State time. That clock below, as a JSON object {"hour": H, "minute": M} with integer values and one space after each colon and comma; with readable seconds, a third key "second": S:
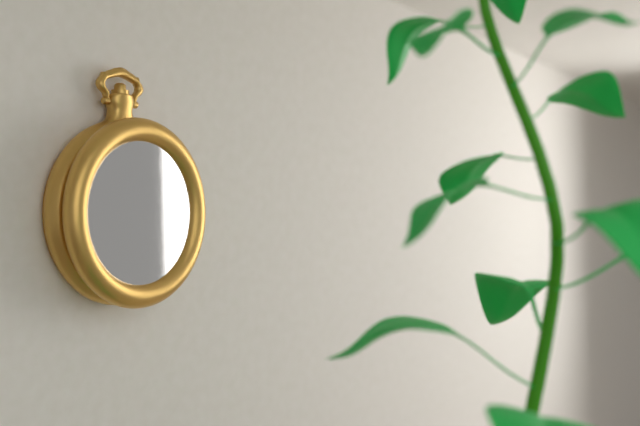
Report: {"hour": 2, "minute": 39}
